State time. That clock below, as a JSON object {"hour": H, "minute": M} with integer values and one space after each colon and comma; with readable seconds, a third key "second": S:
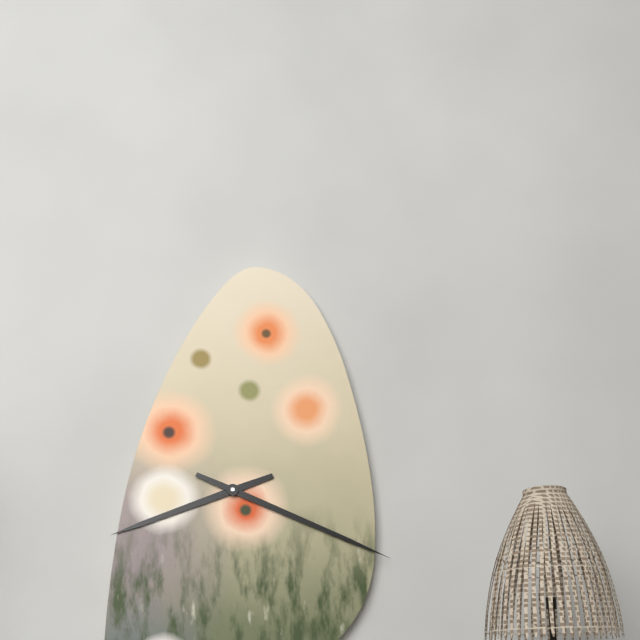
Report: {"hour": 8, "minute": 19}
